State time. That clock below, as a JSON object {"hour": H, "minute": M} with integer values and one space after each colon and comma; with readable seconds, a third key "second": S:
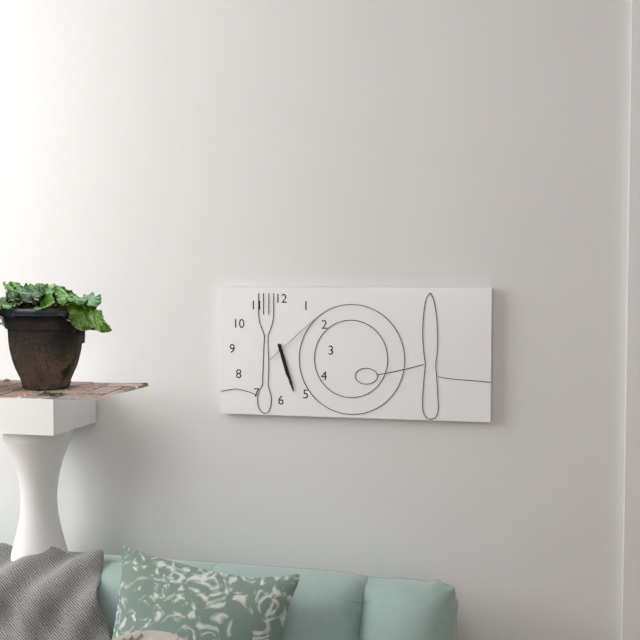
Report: {"hour": 5, "minute": 27, "second": 8}
